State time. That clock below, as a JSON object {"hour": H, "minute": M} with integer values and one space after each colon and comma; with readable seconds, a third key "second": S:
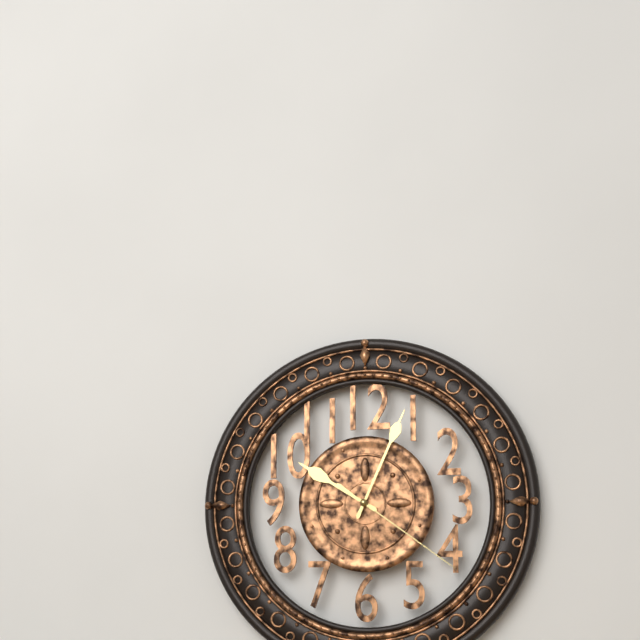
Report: {"hour": 10, "minute": 4, "second": 21}
